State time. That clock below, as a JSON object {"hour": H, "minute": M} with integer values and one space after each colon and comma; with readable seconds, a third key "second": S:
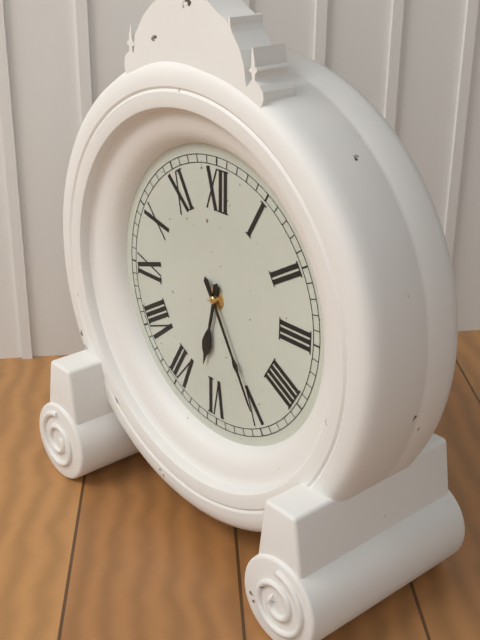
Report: {"hour": 6, "minute": 25}
